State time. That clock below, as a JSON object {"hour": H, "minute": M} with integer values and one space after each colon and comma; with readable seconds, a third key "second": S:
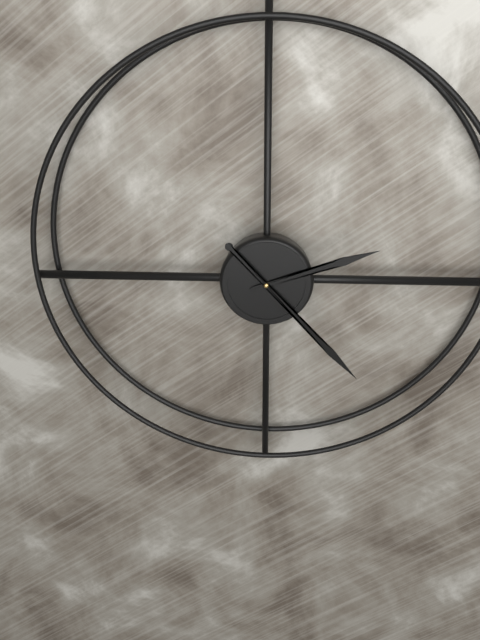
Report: {"hour": 2, "minute": 23}
